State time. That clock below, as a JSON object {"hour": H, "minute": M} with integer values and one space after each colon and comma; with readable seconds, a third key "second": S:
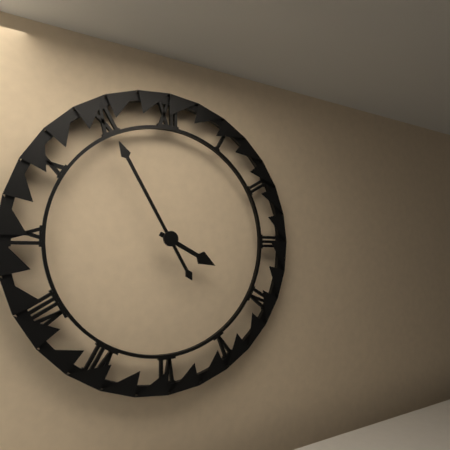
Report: {"hour": 3, "minute": 55}
